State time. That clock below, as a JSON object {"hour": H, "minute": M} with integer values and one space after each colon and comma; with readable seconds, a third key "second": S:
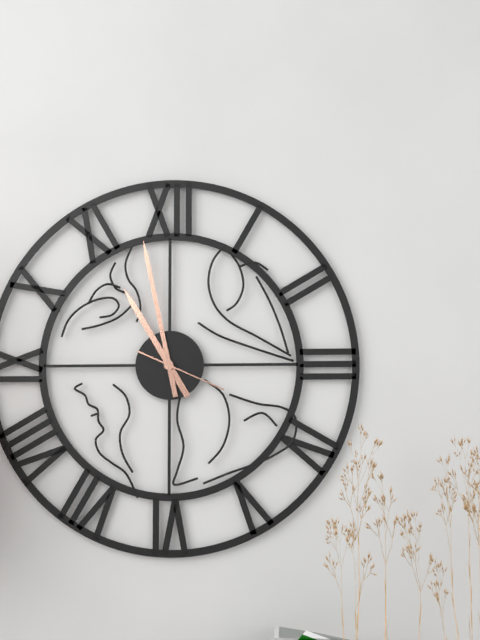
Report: {"hour": 10, "minute": 58, "second": 19}
